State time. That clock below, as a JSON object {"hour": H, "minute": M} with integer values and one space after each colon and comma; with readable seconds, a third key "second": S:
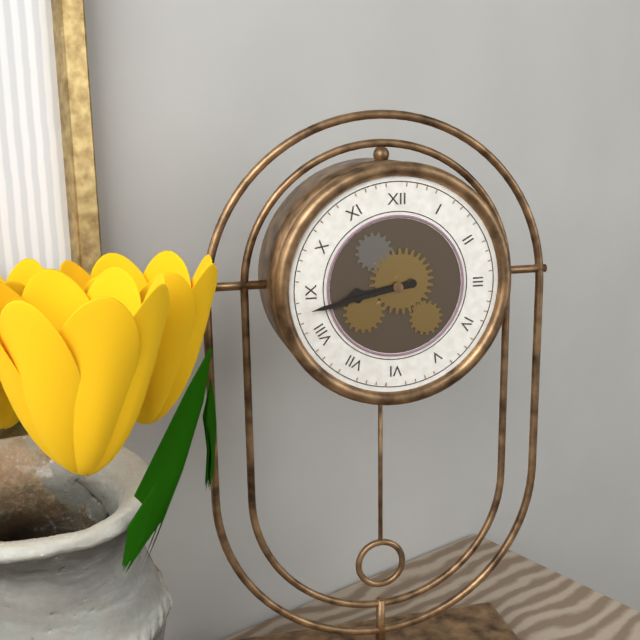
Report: {"hour": 8, "minute": 43}
